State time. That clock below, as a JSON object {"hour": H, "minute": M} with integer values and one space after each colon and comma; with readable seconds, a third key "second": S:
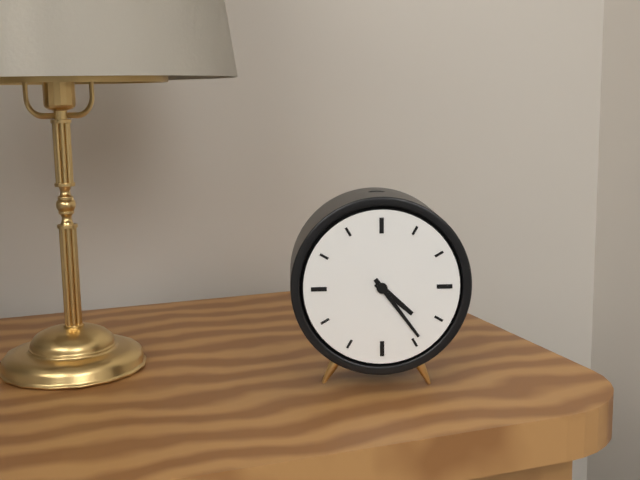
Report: {"hour": 4, "minute": 24}
